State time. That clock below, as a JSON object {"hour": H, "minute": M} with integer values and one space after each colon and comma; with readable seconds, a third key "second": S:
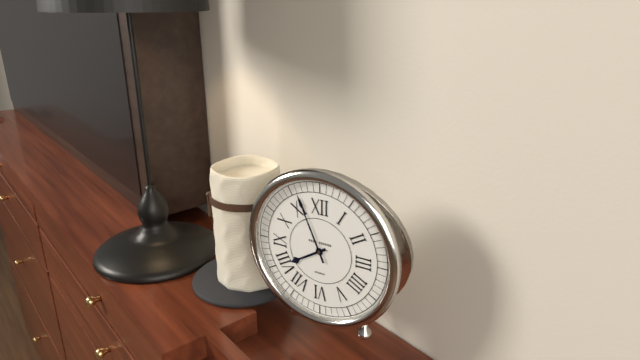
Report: {"hour": 7, "minute": 56}
